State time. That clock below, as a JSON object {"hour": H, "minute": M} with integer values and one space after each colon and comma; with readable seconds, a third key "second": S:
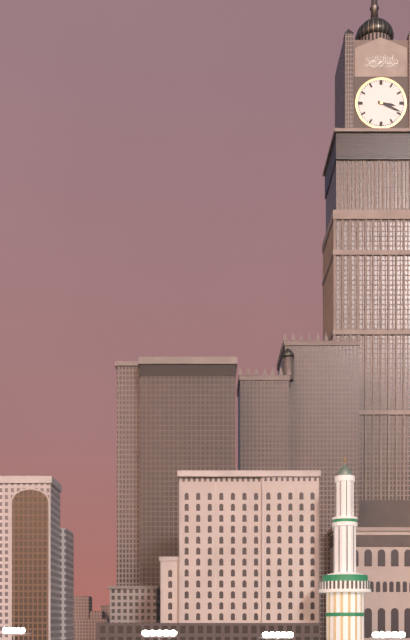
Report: {"hour": 3, "minute": 19}
